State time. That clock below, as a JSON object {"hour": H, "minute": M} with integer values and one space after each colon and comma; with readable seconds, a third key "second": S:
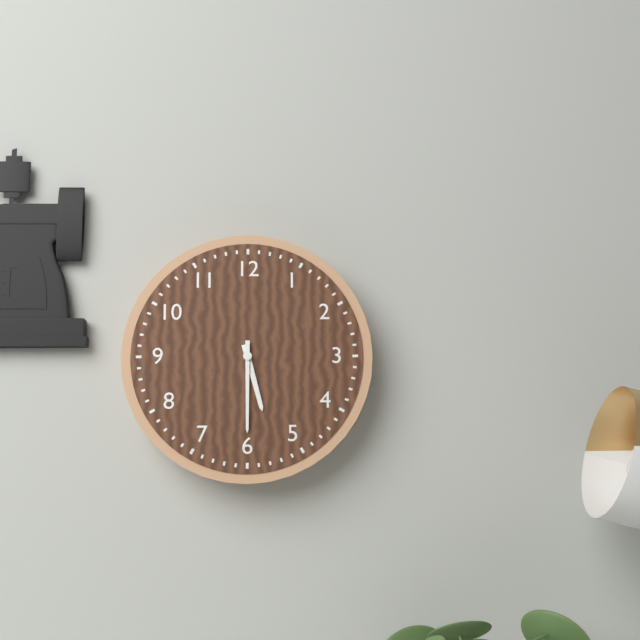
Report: {"hour": 5, "minute": 30}
